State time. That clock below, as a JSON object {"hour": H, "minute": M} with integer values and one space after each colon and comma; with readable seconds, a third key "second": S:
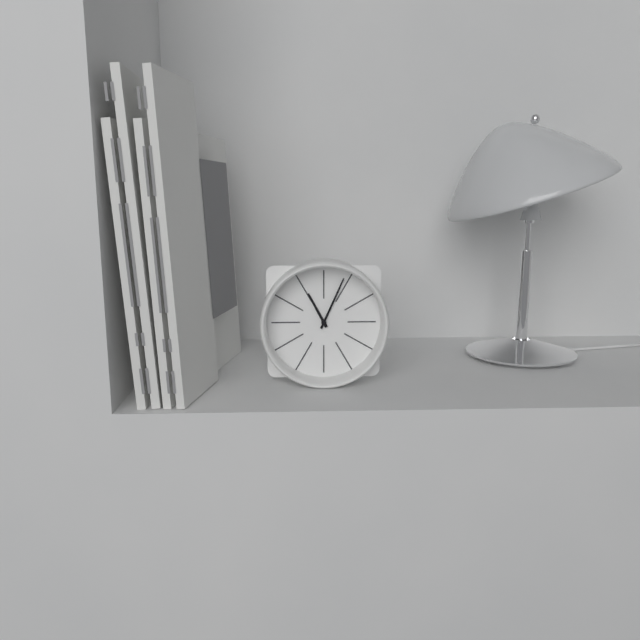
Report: {"hour": 11, "minute": 4}
